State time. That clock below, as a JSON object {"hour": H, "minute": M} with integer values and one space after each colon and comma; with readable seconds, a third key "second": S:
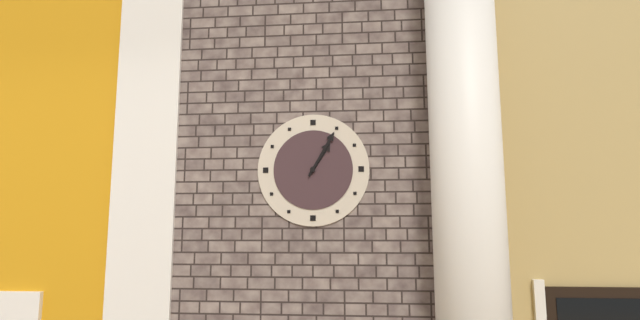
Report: {"hour": 1, "minute": 5}
